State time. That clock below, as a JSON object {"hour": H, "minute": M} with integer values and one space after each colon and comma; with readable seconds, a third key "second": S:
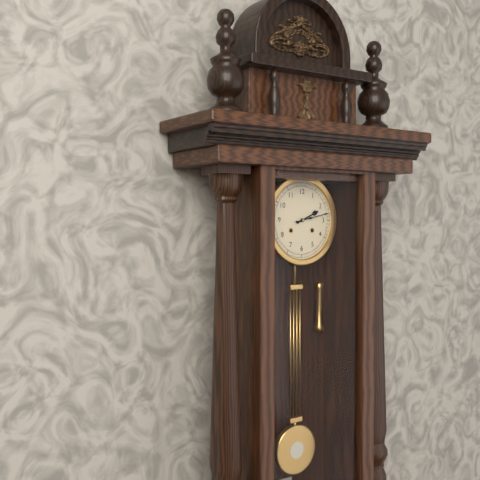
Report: {"hour": 2, "minute": 13}
